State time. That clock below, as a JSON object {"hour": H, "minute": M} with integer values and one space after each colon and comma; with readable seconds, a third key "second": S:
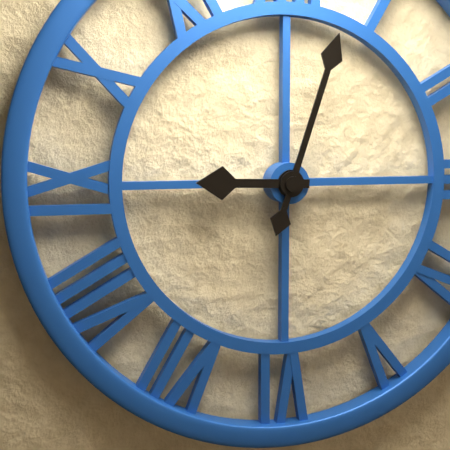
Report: {"hour": 9, "minute": 3}
